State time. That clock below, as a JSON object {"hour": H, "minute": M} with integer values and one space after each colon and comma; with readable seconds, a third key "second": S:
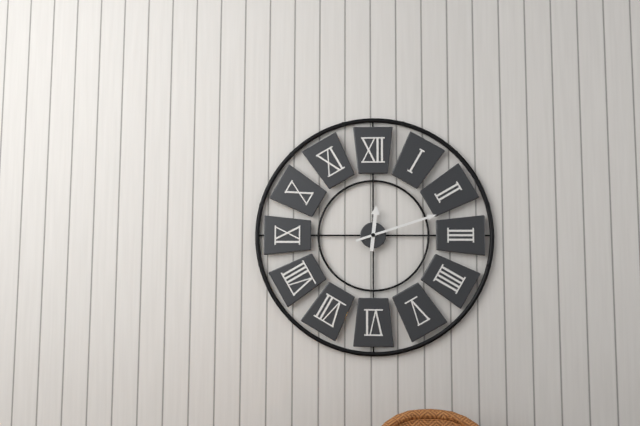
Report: {"hour": 12, "minute": 12}
